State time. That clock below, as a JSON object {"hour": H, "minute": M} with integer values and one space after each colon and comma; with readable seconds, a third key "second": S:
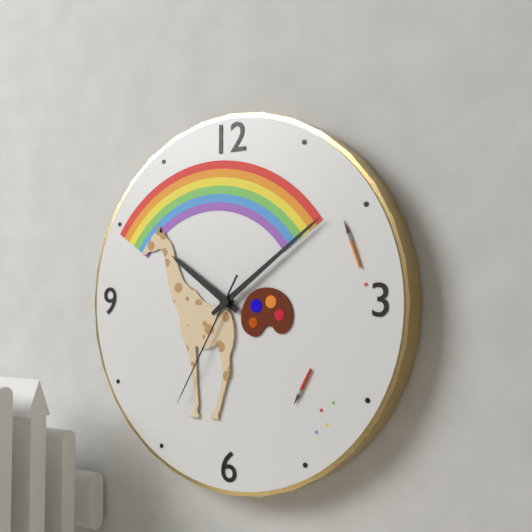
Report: {"hour": 10, "minute": 9, "second": 35}
